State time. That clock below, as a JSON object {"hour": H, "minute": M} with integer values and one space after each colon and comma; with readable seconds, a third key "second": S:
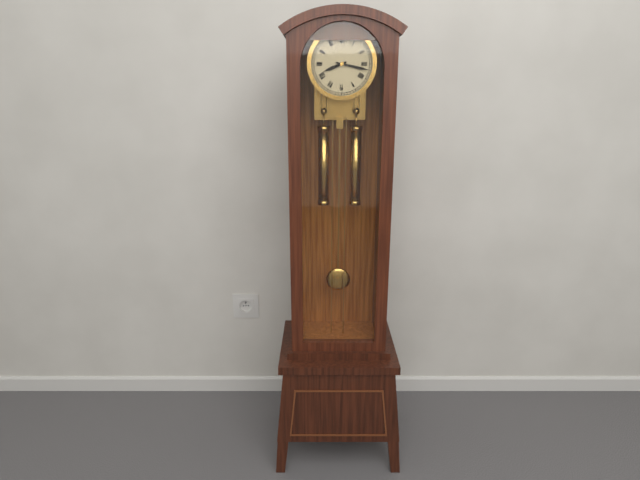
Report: {"hour": 8, "minute": 17}
